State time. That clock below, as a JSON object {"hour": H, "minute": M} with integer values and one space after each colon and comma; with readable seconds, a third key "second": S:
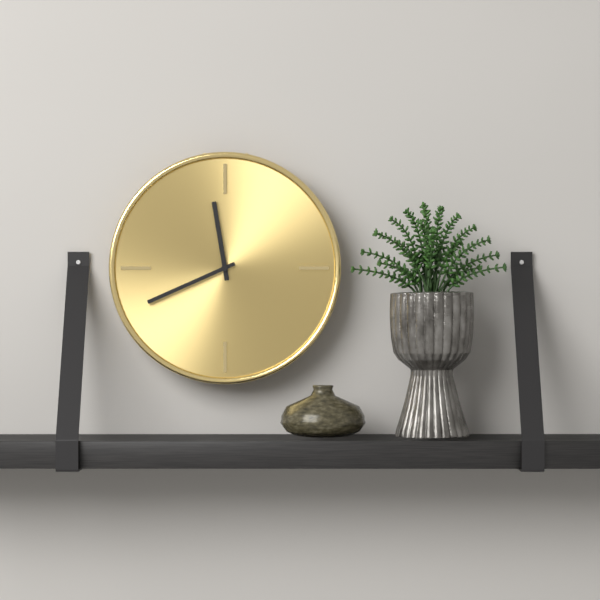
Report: {"hour": 11, "minute": 41}
